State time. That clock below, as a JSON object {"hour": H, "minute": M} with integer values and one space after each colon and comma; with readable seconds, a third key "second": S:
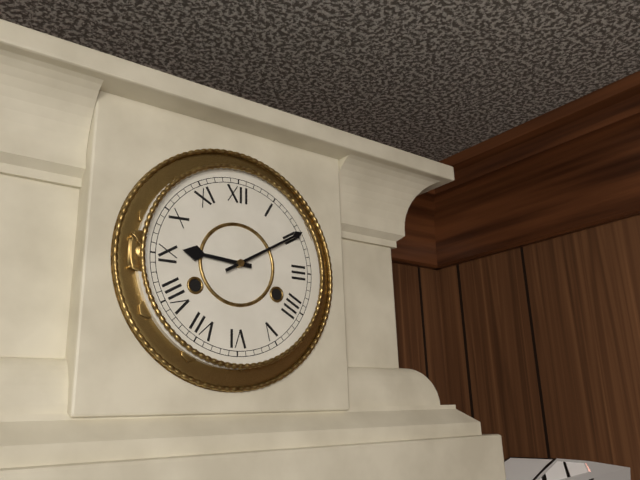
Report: {"hour": 9, "minute": 10}
